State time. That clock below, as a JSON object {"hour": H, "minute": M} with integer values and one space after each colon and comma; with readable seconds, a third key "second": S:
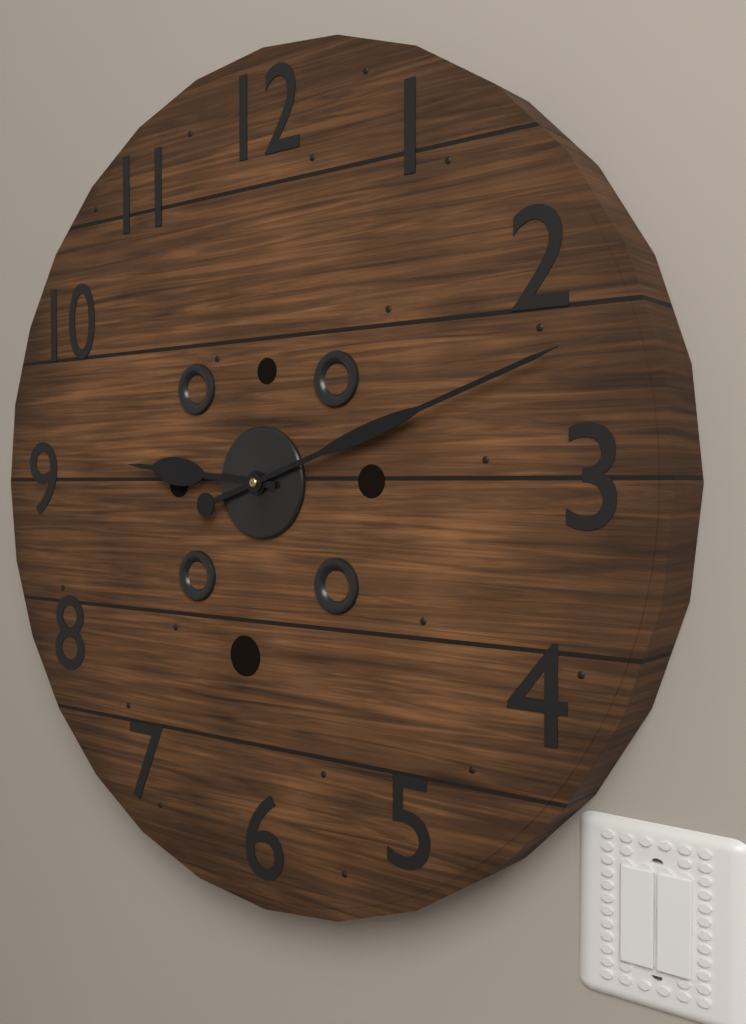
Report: {"hour": 9, "minute": 12}
